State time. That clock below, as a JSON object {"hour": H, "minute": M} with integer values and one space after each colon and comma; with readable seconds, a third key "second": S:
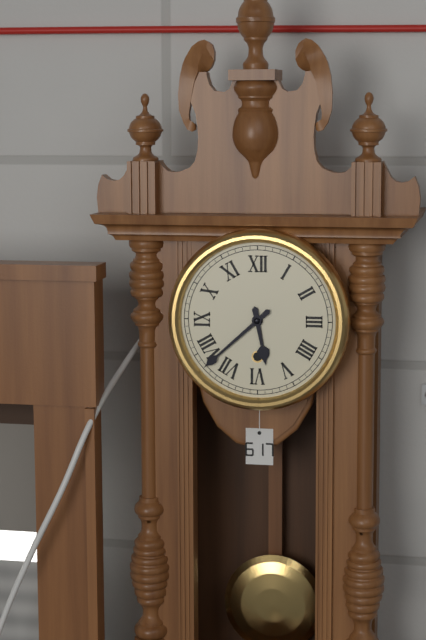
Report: {"hour": 5, "minute": 38}
